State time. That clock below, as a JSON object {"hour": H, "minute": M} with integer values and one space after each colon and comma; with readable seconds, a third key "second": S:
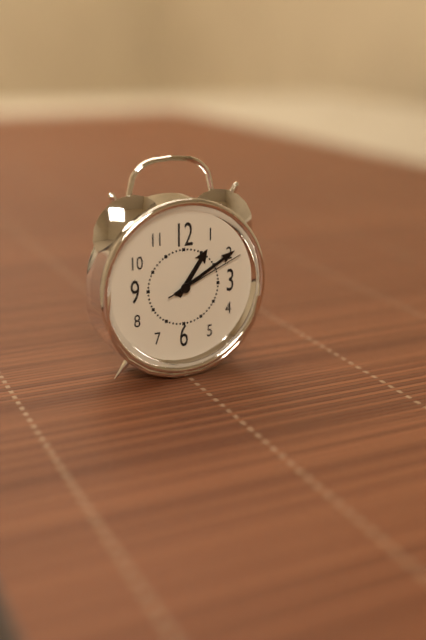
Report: {"hour": 1, "minute": 10, "second": 11}
